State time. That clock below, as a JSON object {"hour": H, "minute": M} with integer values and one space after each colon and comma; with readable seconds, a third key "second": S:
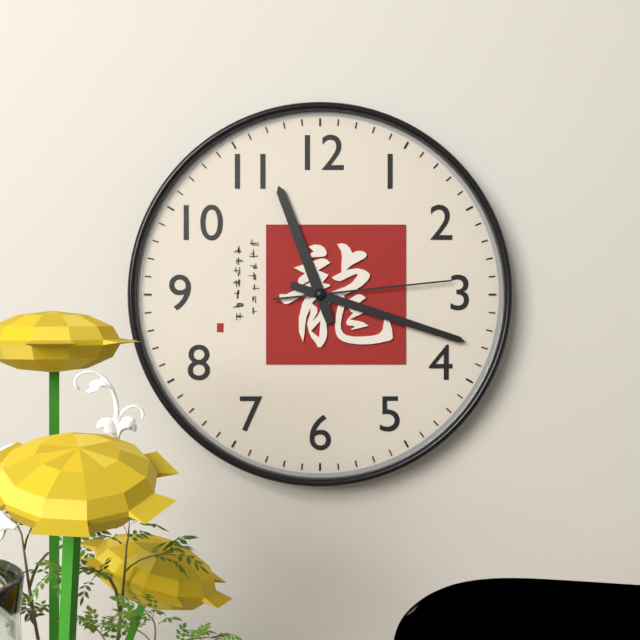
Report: {"hour": 11, "minute": 18, "second": 14}
